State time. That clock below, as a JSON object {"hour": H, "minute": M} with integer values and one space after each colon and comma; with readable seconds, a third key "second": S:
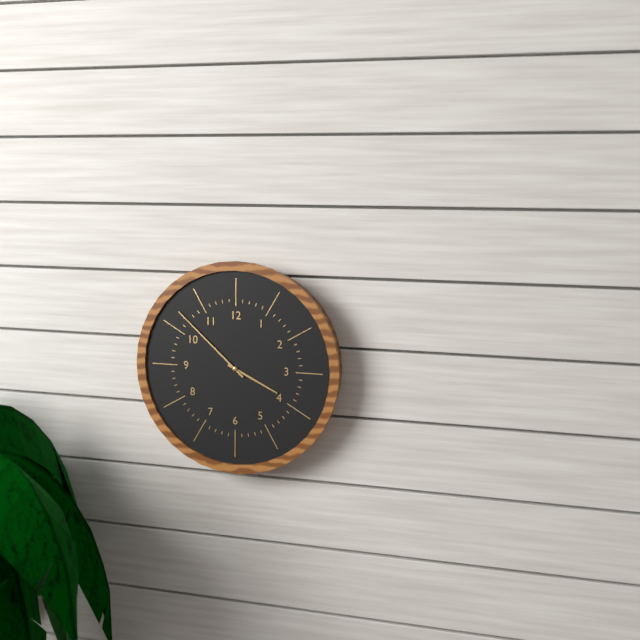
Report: {"hour": 3, "minute": 52}
